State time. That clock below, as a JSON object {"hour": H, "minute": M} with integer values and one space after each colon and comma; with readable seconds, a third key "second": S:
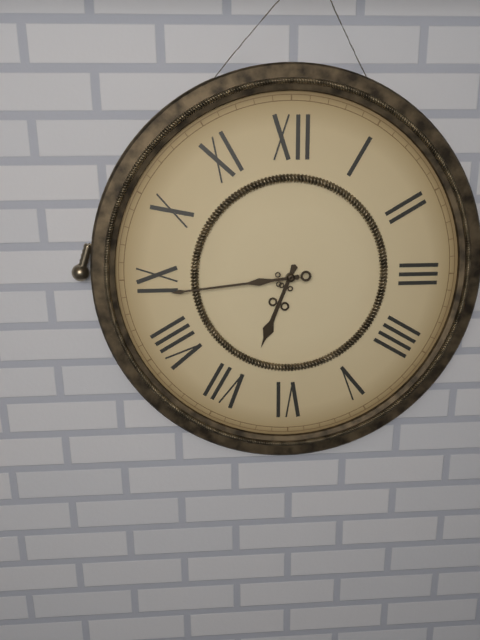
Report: {"hour": 6, "minute": 44}
